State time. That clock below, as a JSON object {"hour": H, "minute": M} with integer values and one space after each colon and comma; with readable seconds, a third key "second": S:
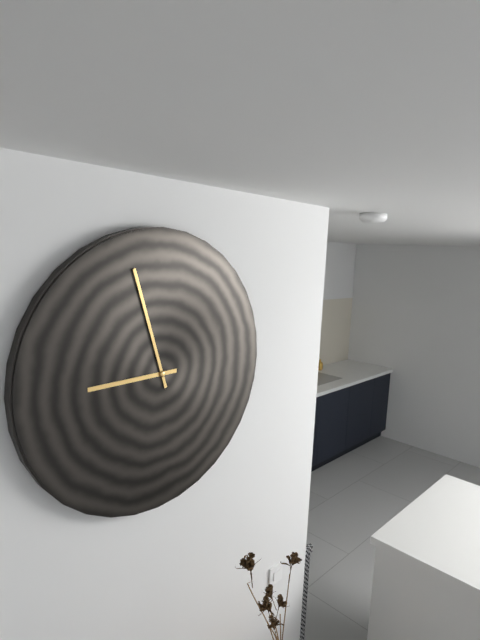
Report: {"hour": 8, "minute": 57}
